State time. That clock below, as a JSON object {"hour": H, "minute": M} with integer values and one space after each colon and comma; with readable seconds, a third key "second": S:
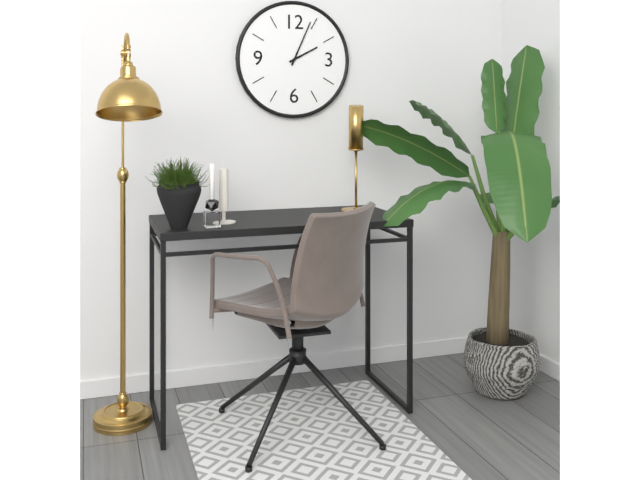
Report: {"hour": 2, "minute": 4}
